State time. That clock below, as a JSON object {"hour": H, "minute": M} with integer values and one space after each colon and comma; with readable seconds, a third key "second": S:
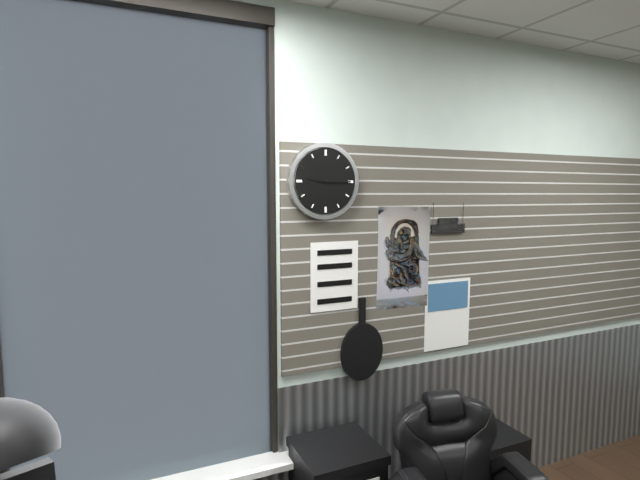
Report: {"hour": 9, "minute": 15}
